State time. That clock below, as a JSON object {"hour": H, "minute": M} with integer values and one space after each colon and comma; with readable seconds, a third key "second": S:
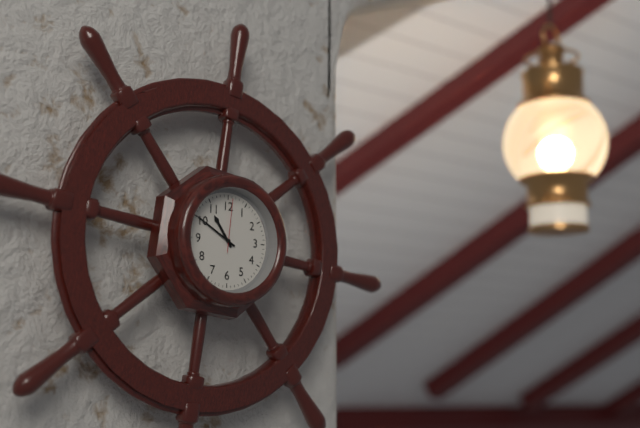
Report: {"hour": 10, "minute": 50, "second": 1}
